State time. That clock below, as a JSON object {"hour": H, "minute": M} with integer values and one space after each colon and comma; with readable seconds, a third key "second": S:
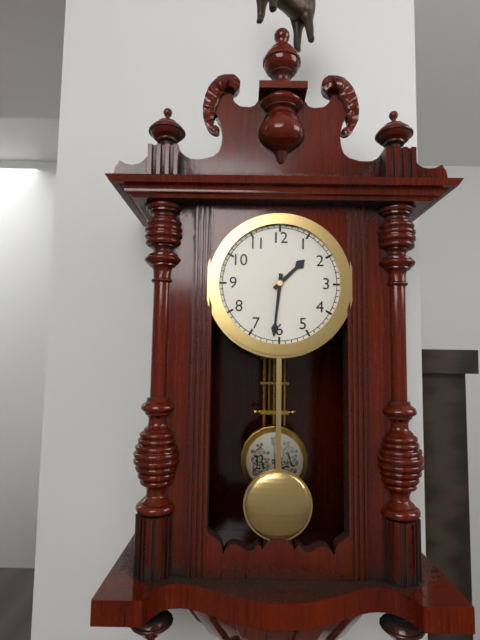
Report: {"hour": 1, "minute": 31}
